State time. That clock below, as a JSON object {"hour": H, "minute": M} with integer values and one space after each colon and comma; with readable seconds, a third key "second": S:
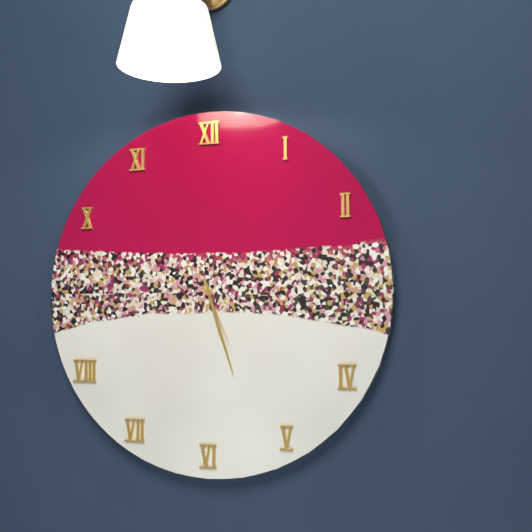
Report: {"hour": 5, "minute": 27, "second": 26}
